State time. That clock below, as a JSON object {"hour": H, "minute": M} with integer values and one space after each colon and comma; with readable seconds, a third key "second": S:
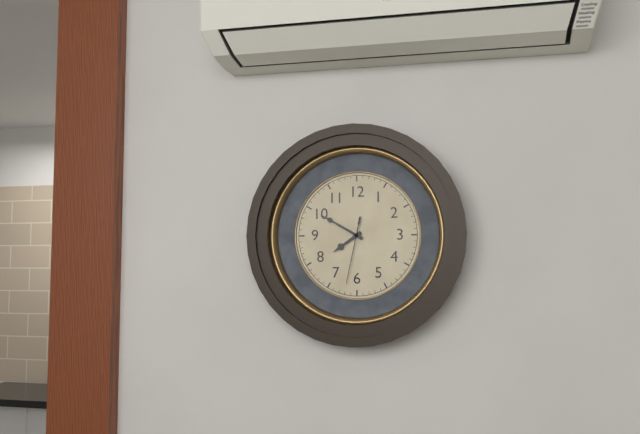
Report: {"hour": 7, "minute": 50, "second": 32}
